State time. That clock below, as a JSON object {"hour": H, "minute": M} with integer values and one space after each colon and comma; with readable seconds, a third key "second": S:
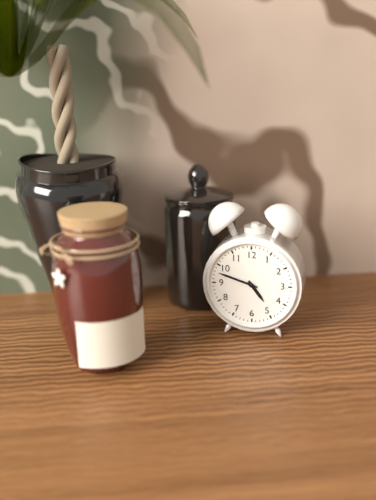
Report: {"hour": 4, "minute": 48}
